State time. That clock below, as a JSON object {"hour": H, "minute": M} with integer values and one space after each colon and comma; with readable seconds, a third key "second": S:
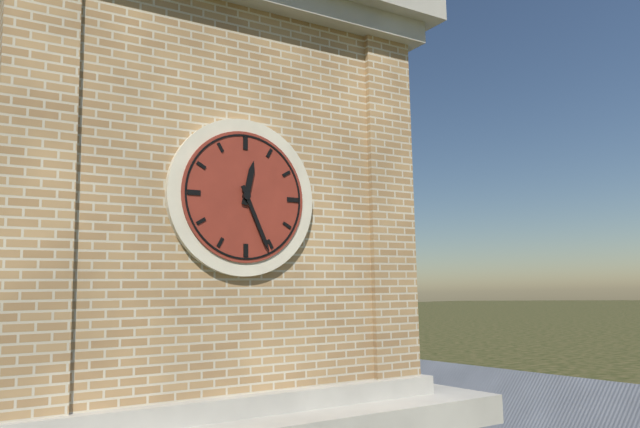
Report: {"hour": 12, "minute": 26}
